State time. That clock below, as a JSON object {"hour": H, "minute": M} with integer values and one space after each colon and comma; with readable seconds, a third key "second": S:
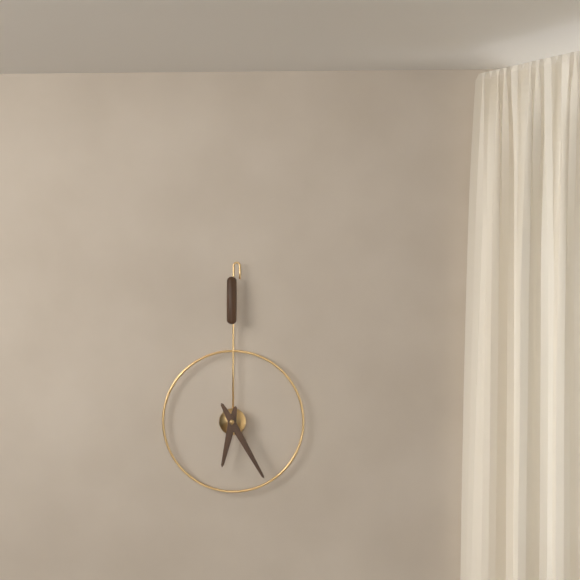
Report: {"hour": 6, "minute": 25}
